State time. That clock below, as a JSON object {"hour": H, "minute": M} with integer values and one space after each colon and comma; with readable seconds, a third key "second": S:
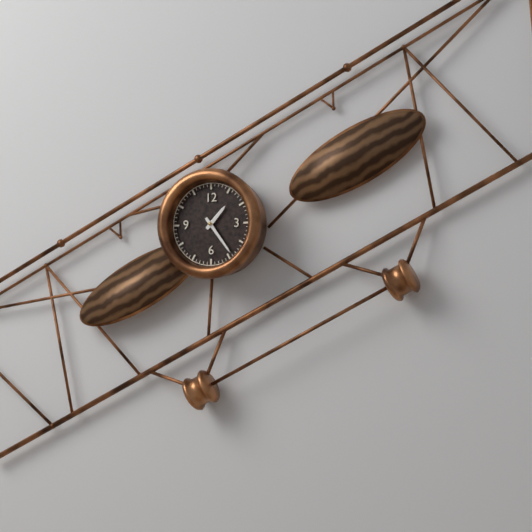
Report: {"hour": 1, "minute": 24}
